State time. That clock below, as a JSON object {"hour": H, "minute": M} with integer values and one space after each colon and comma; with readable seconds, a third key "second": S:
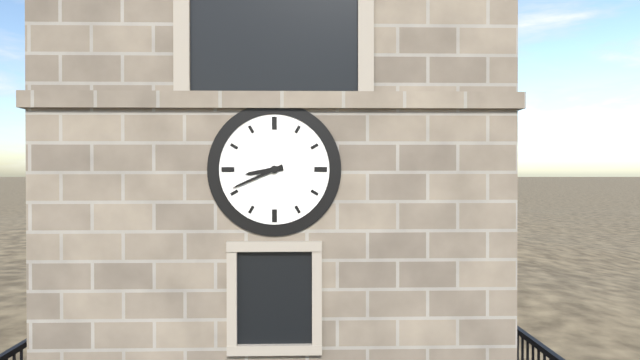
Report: {"hour": 8, "minute": 41}
